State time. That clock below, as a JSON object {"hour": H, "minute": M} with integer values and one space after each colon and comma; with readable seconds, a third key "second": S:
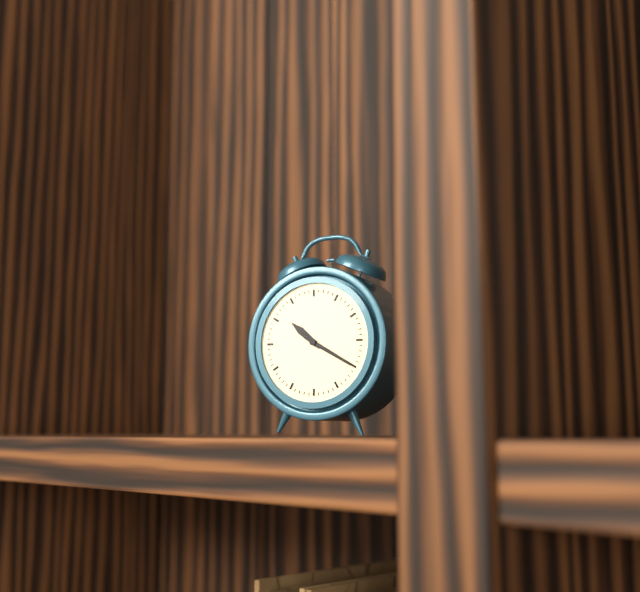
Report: {"hour": 10, "minute": 20}
